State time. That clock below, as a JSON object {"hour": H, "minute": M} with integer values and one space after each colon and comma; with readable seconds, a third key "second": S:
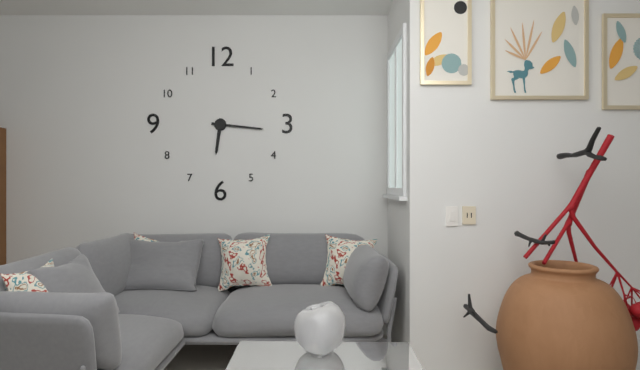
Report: {"hour": 6, "minute": 16}
